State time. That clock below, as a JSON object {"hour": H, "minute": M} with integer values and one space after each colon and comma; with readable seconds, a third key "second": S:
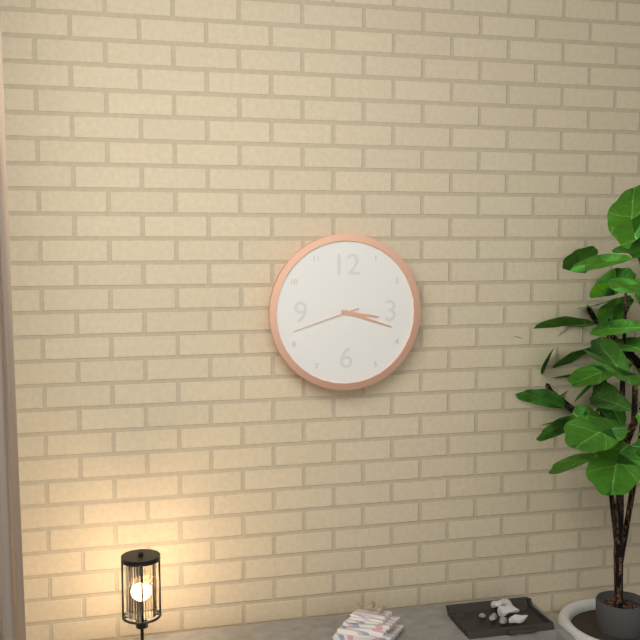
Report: {"hour": 3, "minute": 18, "second": 42}
